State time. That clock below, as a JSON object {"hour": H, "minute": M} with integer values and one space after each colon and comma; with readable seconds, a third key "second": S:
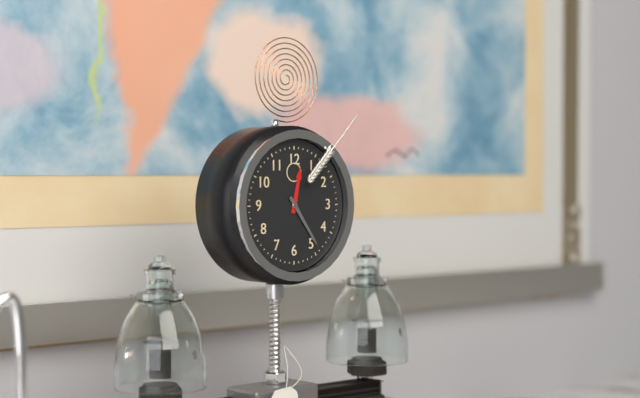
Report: {"hour": 12, "minute": 24}
